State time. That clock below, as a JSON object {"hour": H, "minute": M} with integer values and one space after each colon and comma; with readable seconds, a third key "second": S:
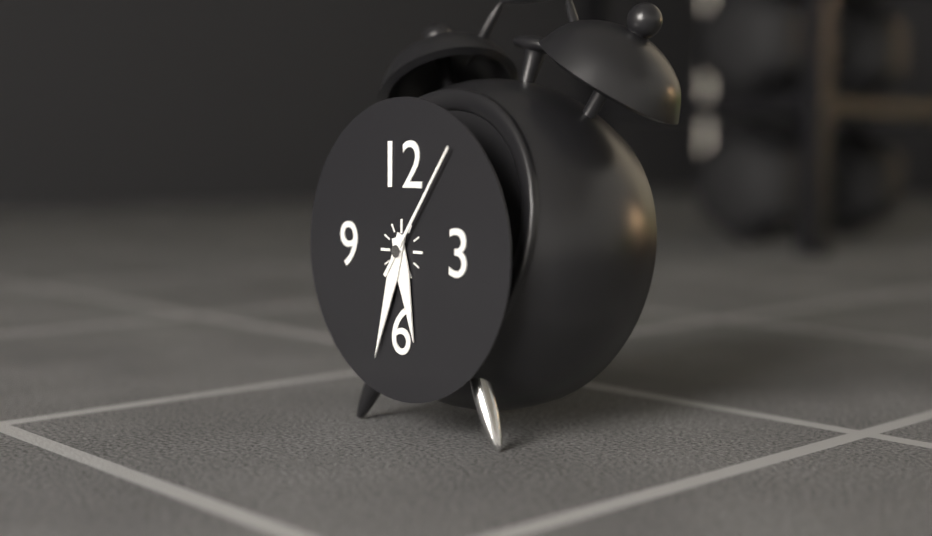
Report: {"hour": 5, "minute": 33, "second": 6}
